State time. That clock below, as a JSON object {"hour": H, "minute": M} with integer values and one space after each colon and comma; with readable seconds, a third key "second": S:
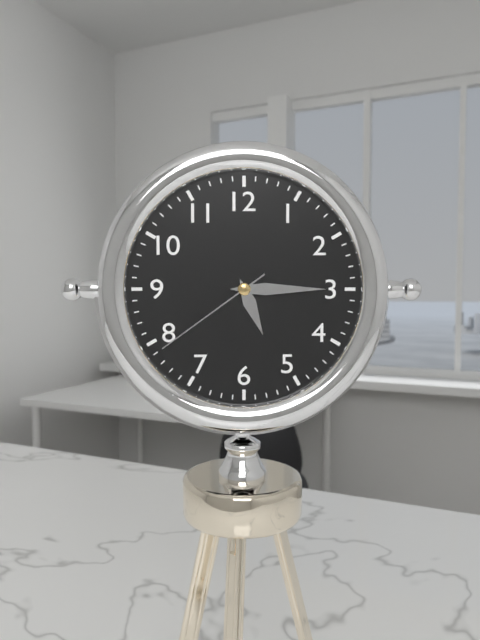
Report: {"hour": 5, "minute": 15, "second": 39}
